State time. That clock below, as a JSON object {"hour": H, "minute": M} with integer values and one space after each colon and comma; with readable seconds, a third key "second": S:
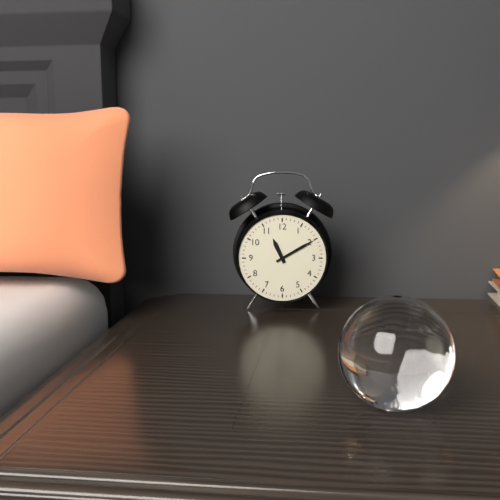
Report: {"hour": 11, "minute": 10}
